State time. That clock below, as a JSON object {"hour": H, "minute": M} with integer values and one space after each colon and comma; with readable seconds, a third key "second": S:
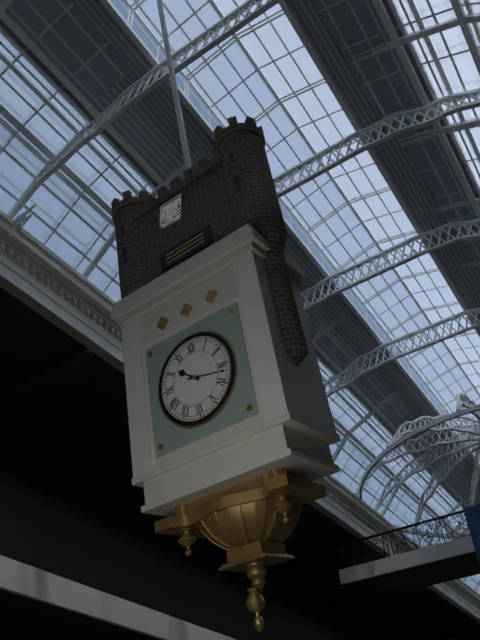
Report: {"hour": 10, "minute": 17}
